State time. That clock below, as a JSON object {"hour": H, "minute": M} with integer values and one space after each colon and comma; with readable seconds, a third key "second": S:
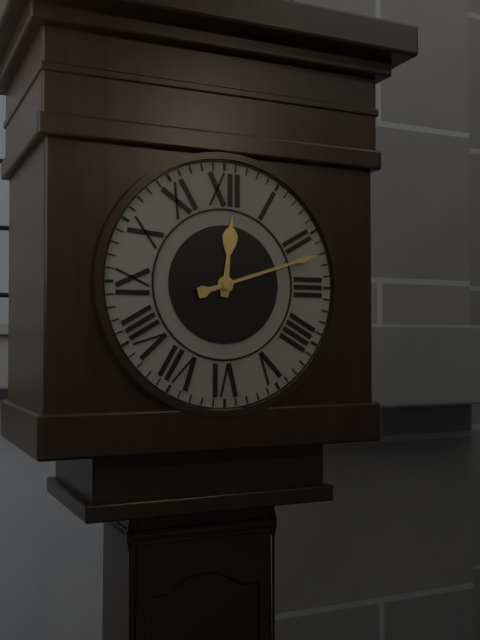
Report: {"hour": 12, "minute": 12}
